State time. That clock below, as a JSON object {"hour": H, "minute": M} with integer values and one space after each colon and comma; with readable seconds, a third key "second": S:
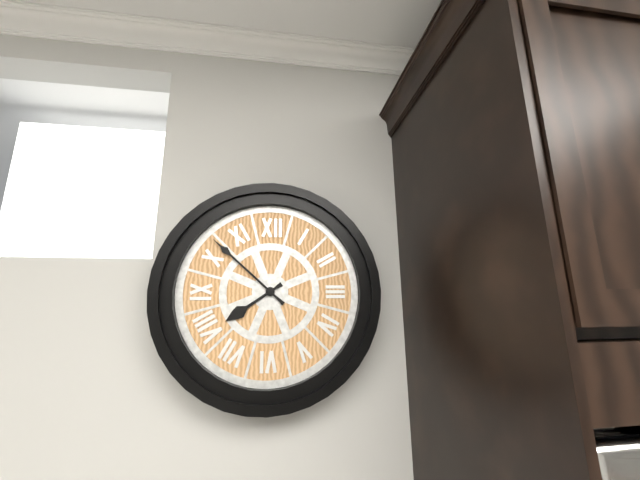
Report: {"hour": 7, "minute": 52}
